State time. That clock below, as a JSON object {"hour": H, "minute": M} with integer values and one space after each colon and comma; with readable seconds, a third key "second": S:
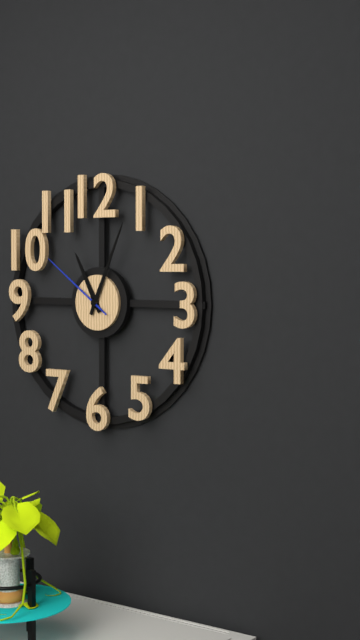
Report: {"hour": 11, "minute": 4, "second": 51}
